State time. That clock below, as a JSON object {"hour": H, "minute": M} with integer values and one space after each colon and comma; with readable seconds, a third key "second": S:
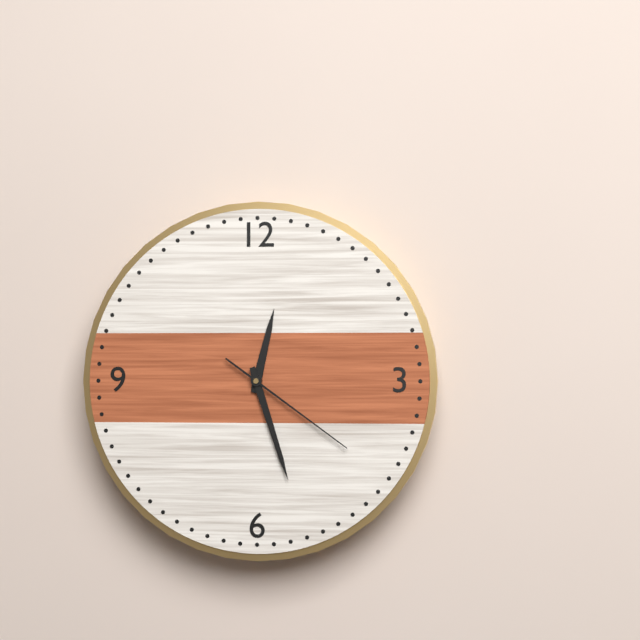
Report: {"hour": 12, "minute": 27, "second": 21}
